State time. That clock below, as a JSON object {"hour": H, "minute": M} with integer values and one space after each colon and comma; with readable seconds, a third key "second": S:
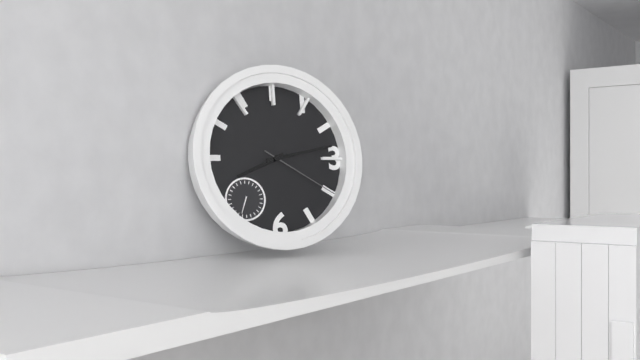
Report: {"hour": 8, "minute": 13, "second": 20}
